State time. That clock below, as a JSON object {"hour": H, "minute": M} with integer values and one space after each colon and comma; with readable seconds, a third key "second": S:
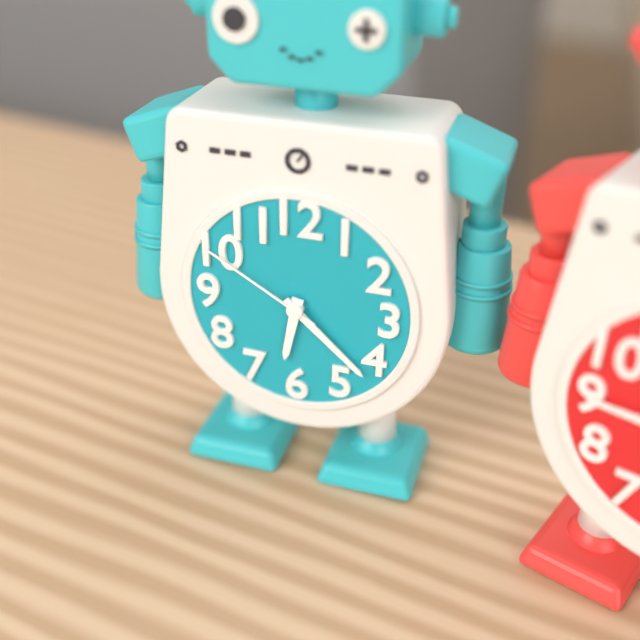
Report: {"hour": 6, "minute": 22, "second": 50}
